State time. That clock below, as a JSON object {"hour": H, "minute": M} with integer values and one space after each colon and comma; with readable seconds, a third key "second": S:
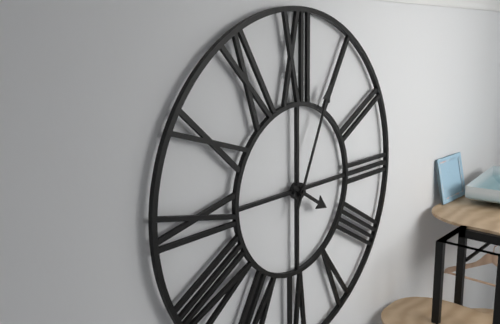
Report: {"hour": 4, "minute": 4}
